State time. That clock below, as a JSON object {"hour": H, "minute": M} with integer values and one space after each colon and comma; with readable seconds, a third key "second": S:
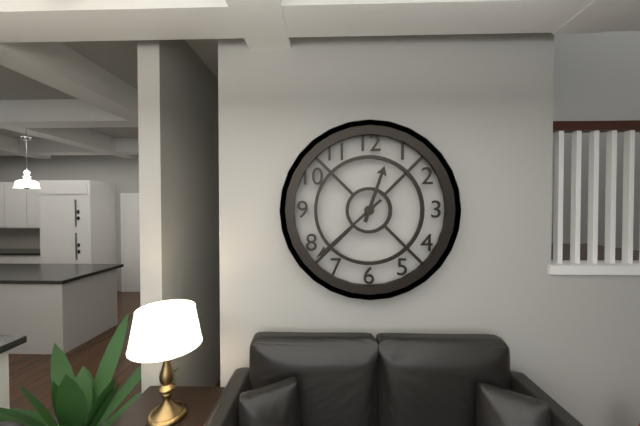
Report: {"hour": 12, "minute": 38}
